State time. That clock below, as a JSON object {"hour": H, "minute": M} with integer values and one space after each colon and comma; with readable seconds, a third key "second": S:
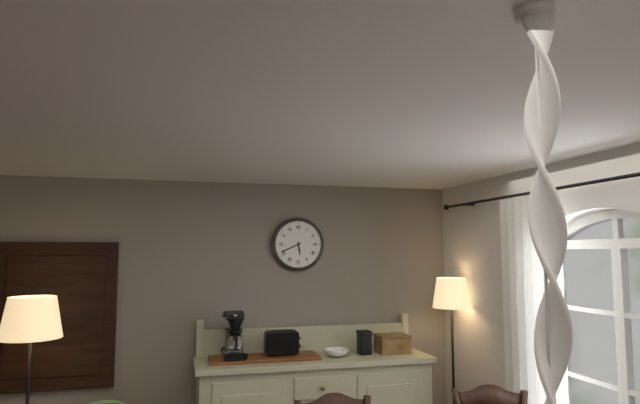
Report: {"hour": 5, "minute": 41}
